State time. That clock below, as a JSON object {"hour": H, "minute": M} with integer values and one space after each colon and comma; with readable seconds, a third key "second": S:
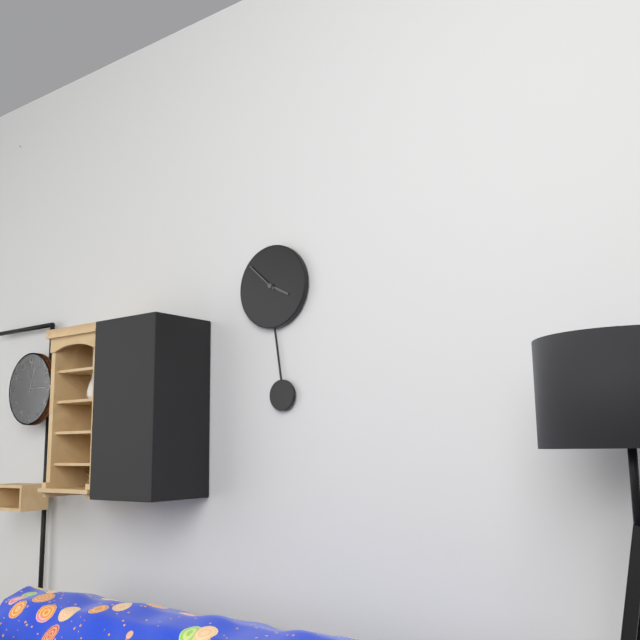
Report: {"hour": 3, "minute": 52}
